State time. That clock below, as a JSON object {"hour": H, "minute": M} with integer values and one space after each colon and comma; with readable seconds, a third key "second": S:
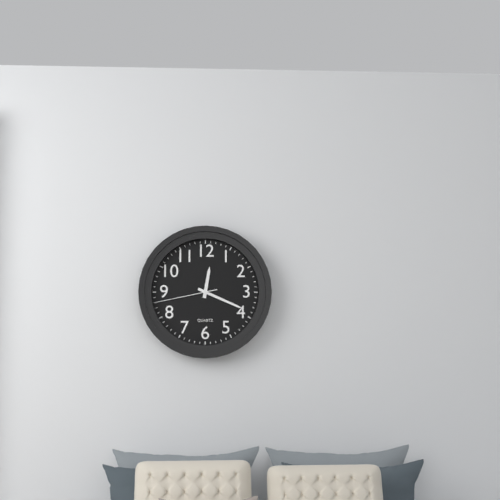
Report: {"hour": 12, "minute": 19, "second": 43}
